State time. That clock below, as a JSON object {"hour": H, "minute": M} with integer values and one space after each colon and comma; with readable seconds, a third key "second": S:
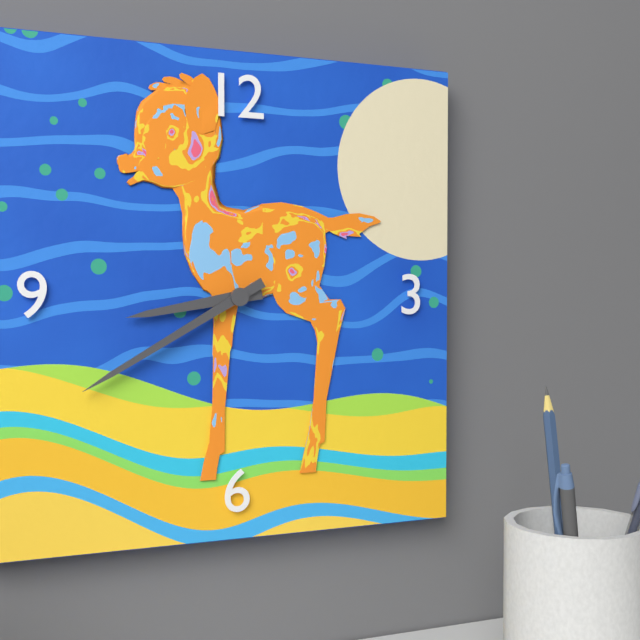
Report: {"hour": 8, "minute": 40}
